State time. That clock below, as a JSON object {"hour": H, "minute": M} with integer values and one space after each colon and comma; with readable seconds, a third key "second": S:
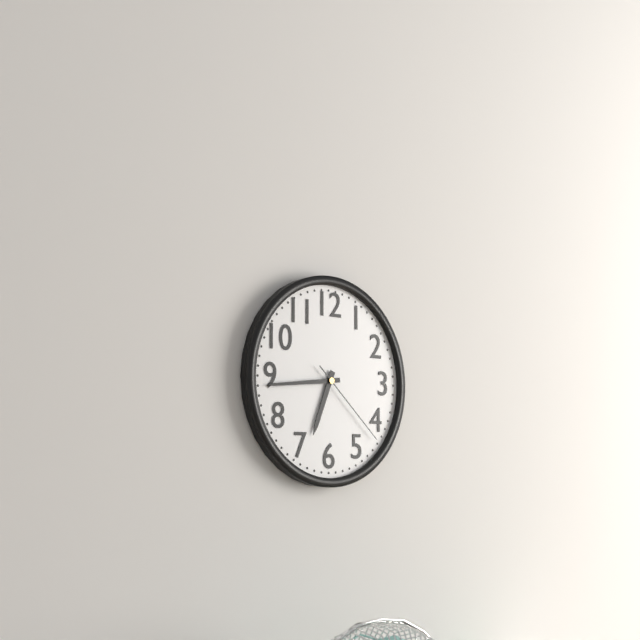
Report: {"hour": 6, "minute": 44, "second": 22}
